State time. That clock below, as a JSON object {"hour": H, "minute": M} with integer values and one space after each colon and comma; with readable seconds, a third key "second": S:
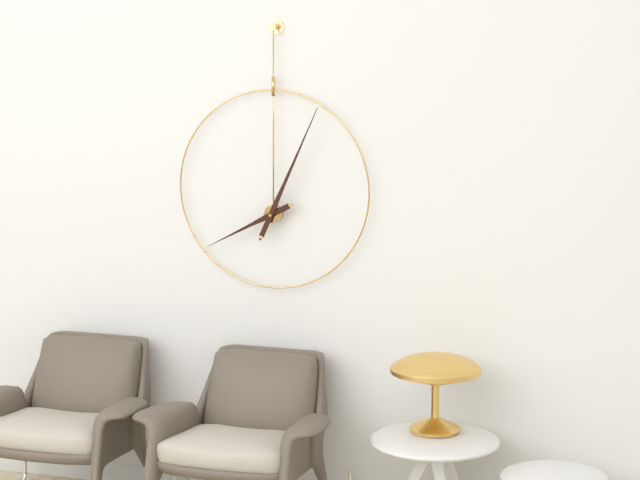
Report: {"hour": 8, "minute": 4}
